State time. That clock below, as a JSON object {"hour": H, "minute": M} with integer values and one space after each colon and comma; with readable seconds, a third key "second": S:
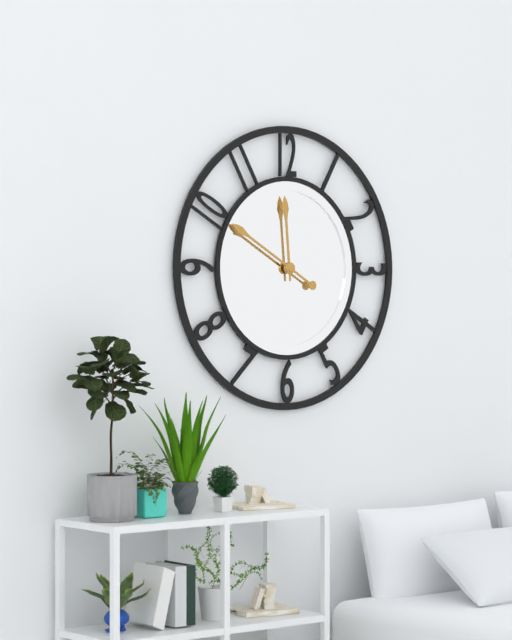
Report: {"hour": 11, "minute": 50}
